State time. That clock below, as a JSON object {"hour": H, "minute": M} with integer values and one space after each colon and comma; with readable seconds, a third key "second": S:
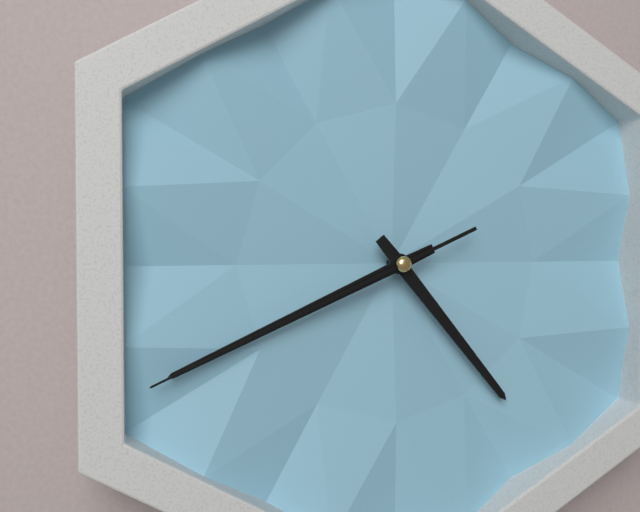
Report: {"hour": 4, "minute": 41, "second": 41}
